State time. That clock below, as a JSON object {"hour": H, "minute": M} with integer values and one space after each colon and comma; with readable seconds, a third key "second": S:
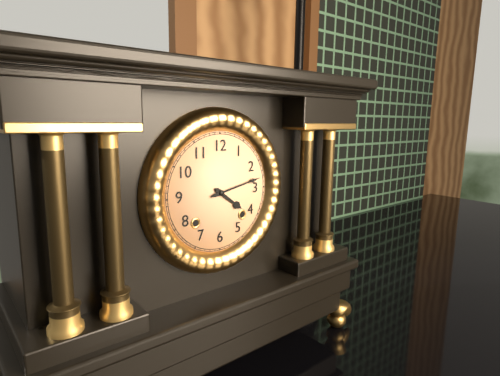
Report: {"hour": 4, "minute": 13}
